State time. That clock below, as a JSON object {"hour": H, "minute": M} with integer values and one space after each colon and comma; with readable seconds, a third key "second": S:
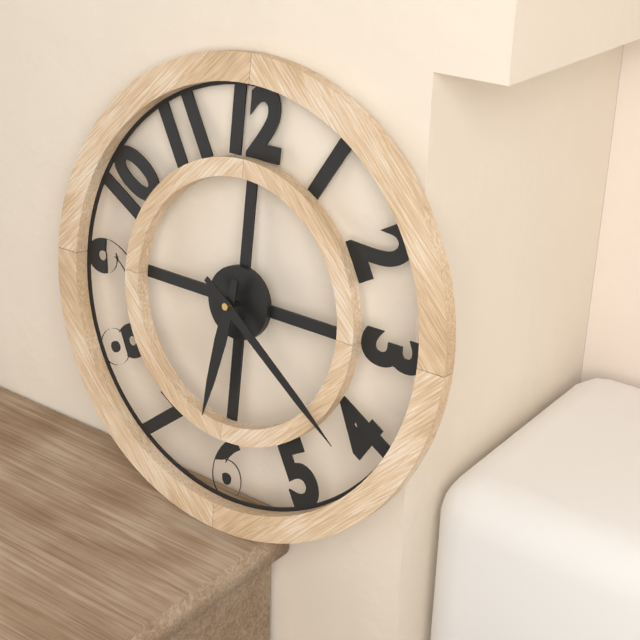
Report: {"hour": 6, "minute": 21}
